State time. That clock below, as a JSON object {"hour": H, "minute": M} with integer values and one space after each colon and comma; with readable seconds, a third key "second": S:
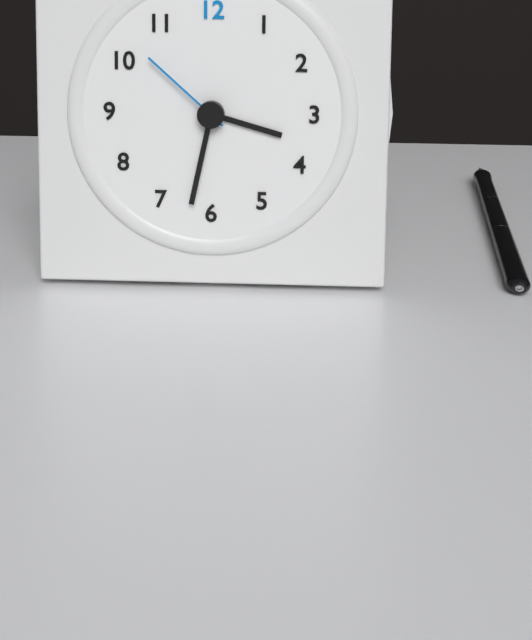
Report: {"hour": 3, "minute": 32, "second": 52}
